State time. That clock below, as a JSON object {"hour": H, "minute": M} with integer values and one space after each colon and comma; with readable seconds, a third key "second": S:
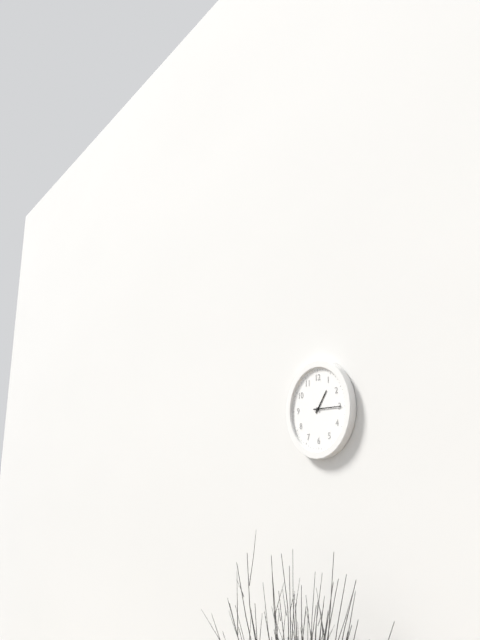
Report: {"hour": 1, "minute": 15}
